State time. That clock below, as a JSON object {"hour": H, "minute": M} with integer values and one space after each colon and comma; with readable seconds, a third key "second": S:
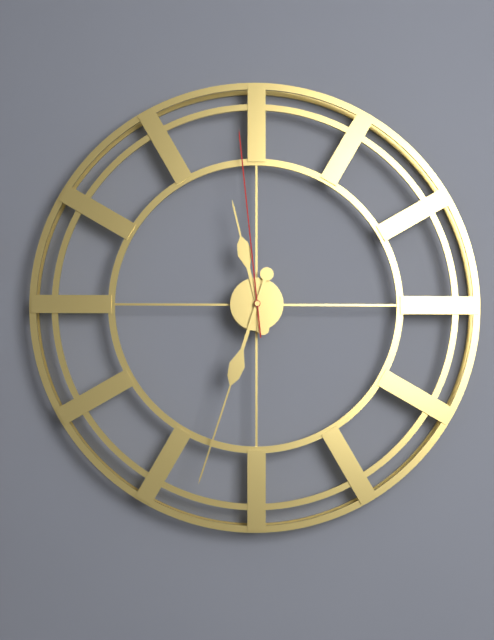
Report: {"hour": 11, "minute": 33, "second": 59}
